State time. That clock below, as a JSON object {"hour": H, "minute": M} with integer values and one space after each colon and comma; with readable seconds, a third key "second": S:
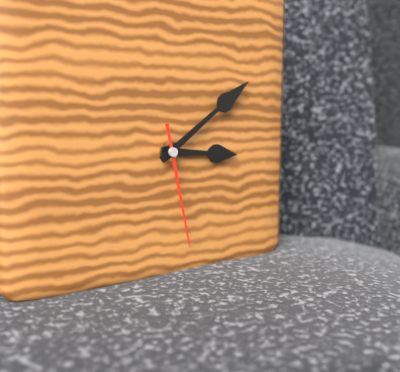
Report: {"hour": 3, "minute": 9, "second": 28}
